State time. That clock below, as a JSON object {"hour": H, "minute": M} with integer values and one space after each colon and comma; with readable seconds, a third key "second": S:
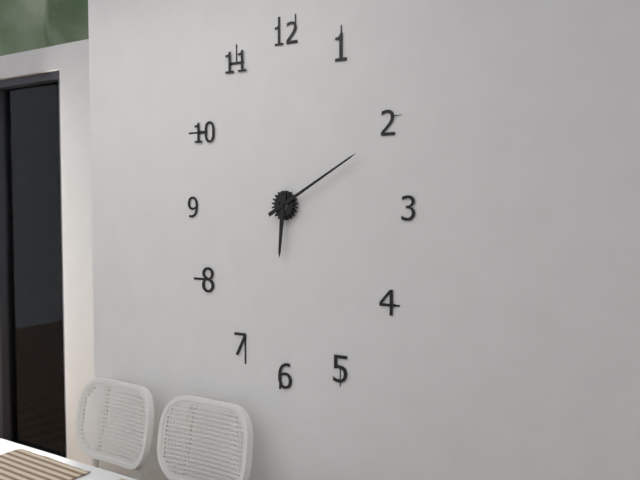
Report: {"hour": 6, "minute": 10}
